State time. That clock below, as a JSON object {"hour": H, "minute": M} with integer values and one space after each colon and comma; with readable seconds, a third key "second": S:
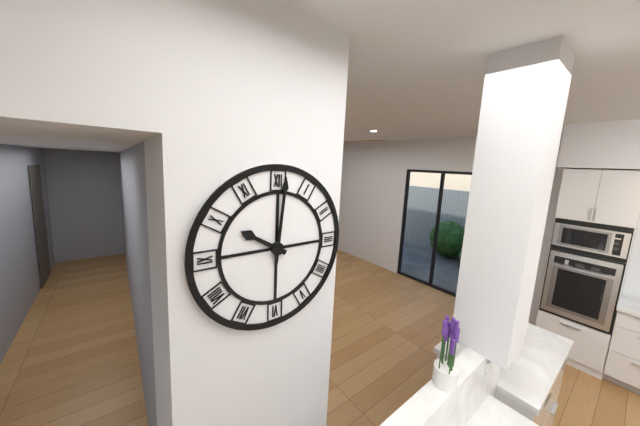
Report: {"hour": 10, "minute": 1}
